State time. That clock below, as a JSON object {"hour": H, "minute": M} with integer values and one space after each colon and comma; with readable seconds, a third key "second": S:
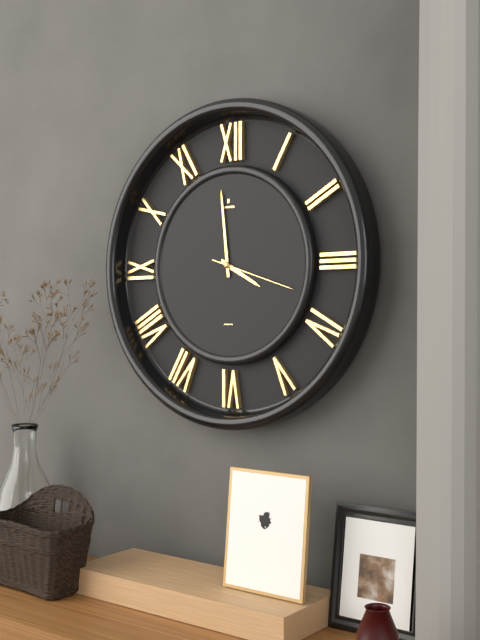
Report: {"hour": 3, "minute": 59, "second": 18}
